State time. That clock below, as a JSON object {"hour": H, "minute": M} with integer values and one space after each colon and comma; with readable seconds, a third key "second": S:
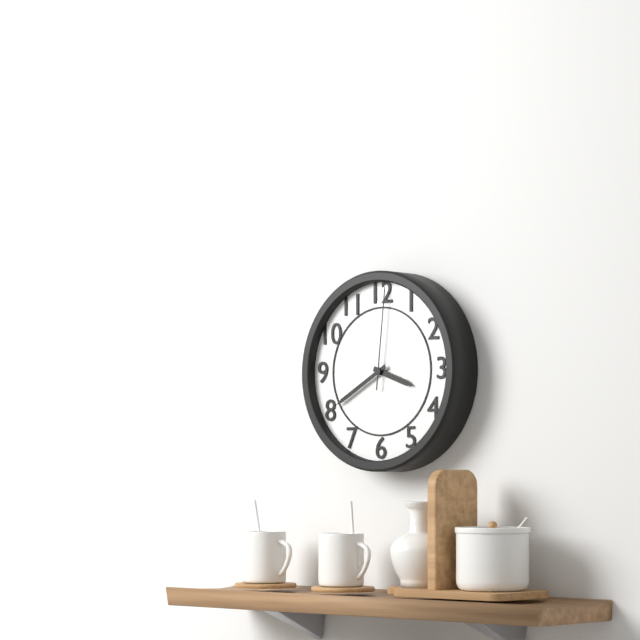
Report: {"hour": 3, "minute": 40, "second": 1}
